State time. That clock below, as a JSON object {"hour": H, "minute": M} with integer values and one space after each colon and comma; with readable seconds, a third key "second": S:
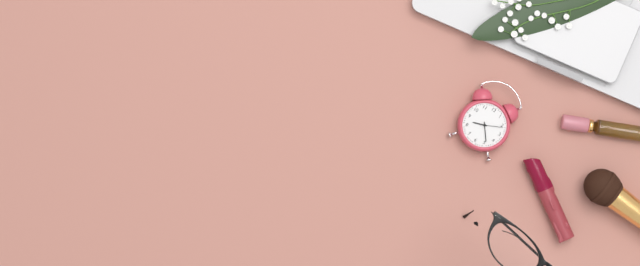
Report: {"hour": 8, "minute": 24}
